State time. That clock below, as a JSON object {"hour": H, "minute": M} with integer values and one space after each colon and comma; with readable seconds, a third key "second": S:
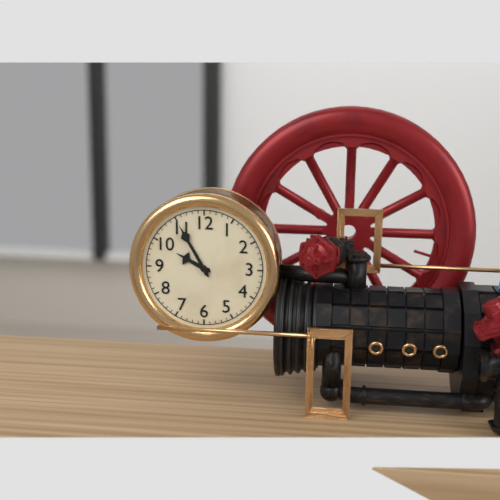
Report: {"hour": 9, "minute": 55}
